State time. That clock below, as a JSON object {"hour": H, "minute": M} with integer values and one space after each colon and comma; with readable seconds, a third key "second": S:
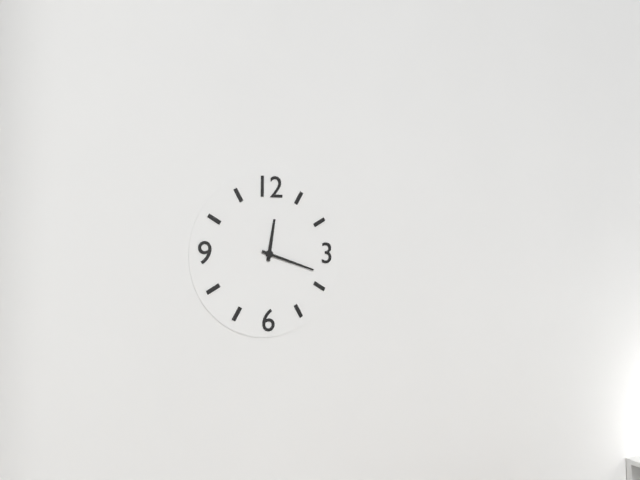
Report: {"hour": 12, "minute": 18}
